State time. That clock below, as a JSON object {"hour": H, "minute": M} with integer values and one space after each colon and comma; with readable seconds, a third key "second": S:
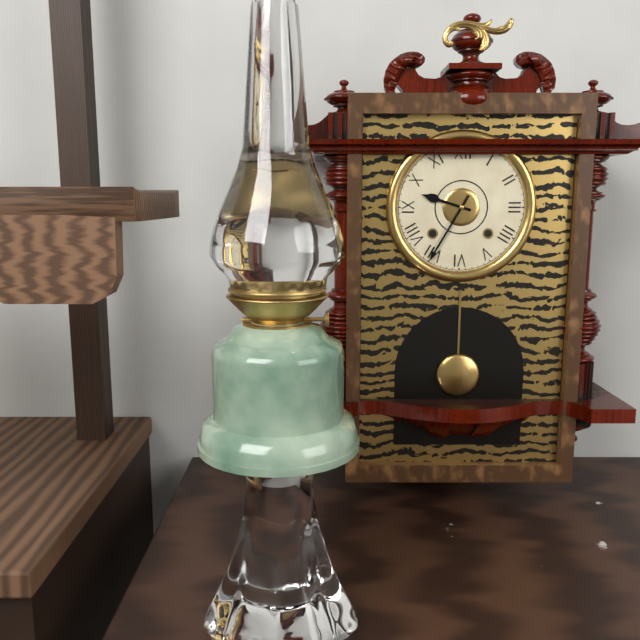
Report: {"hour": 9, "minute": 35}
